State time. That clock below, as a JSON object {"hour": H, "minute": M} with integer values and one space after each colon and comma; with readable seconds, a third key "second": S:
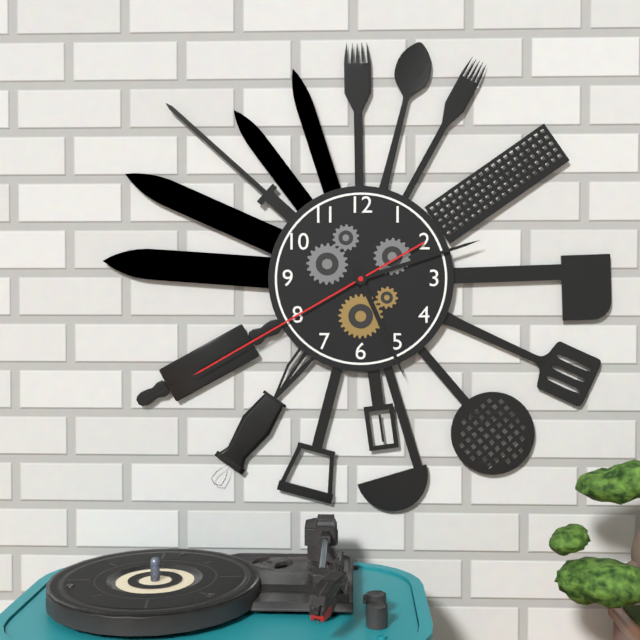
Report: {"hour": 5, "minute": 12, "second": 40}
